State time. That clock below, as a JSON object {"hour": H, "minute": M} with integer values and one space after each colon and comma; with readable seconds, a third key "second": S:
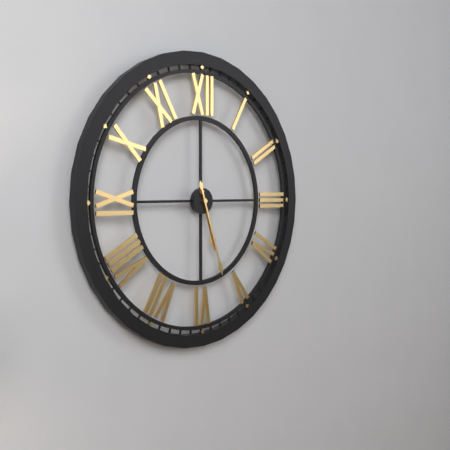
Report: {"hour": 5, "minute": 27}
